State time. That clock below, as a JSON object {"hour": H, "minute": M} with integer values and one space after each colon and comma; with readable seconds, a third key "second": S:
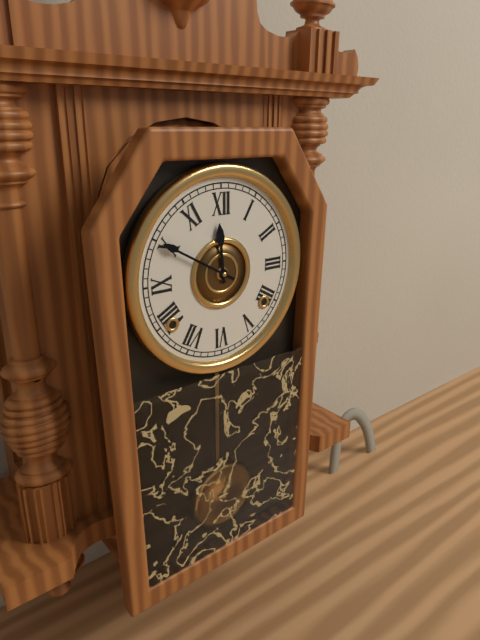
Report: {"hour": 11, "minute": 50}
